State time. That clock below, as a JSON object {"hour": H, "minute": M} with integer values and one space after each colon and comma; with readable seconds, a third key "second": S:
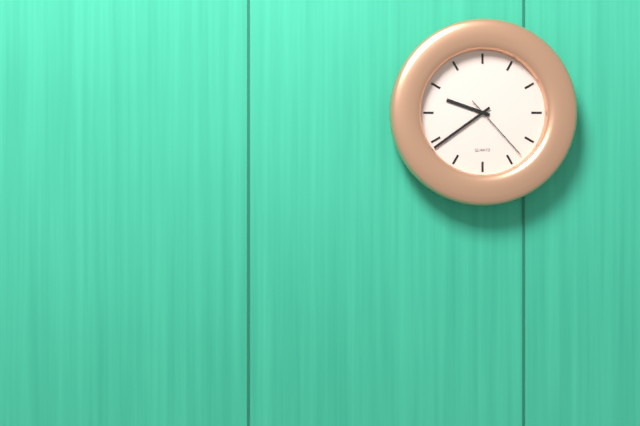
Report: {"hour": 9, "minute": 39, "second": 23}
